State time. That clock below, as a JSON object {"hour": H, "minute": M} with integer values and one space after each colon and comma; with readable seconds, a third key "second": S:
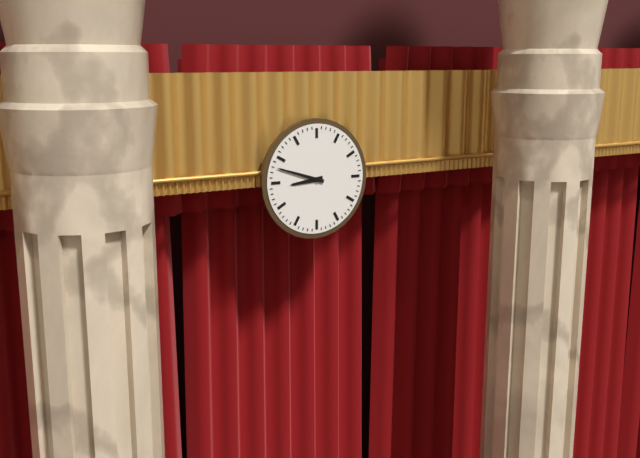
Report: {"hour": 8, "minute": 48}
